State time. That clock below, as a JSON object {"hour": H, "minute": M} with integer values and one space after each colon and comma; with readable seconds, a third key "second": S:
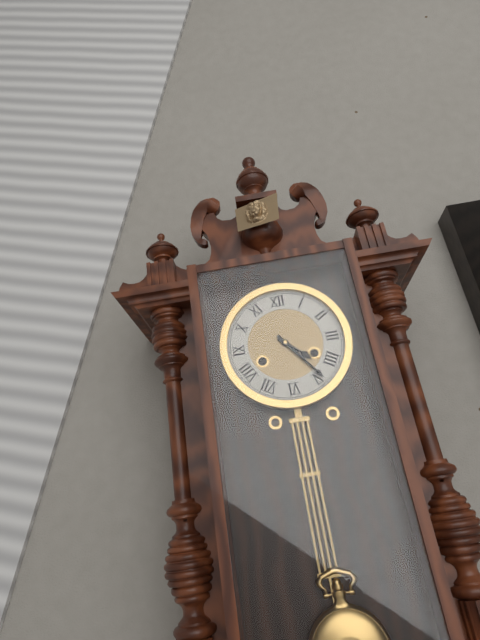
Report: {"hour": 4, "minute": 24}
